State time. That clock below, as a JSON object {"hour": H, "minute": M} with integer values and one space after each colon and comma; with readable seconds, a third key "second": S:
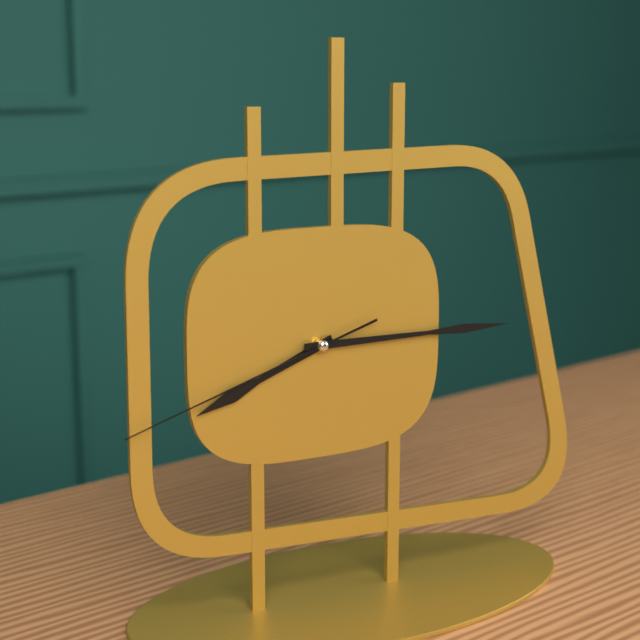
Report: {"hour": 8, "minute": 15, "second": 42}
